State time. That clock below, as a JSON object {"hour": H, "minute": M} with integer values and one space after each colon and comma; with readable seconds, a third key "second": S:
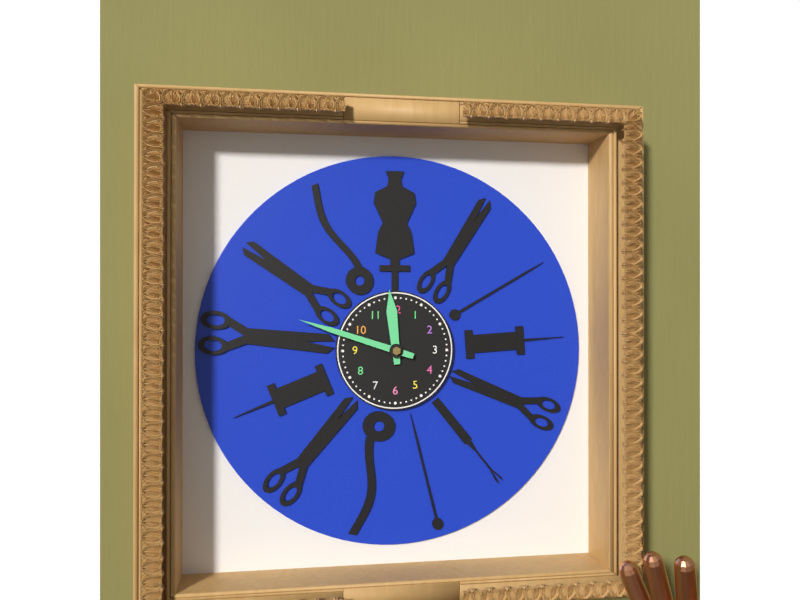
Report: {"hour": 11, "minute": 48}
